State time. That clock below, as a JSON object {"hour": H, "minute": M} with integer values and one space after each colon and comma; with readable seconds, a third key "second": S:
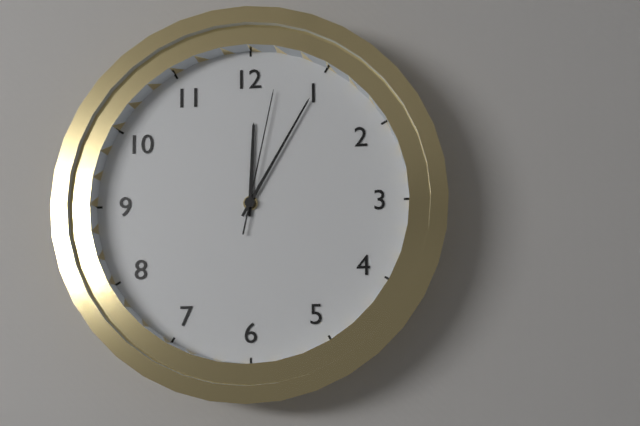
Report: {"hour": 12, "minute": 5, "second": 2}
